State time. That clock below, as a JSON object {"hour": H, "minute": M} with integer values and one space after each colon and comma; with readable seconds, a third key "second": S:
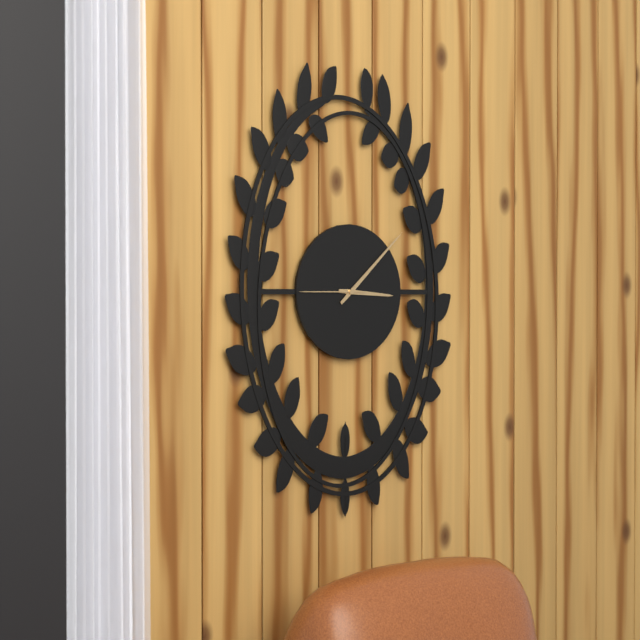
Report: {"hour": 3, "minute": 8, "second": 45}
